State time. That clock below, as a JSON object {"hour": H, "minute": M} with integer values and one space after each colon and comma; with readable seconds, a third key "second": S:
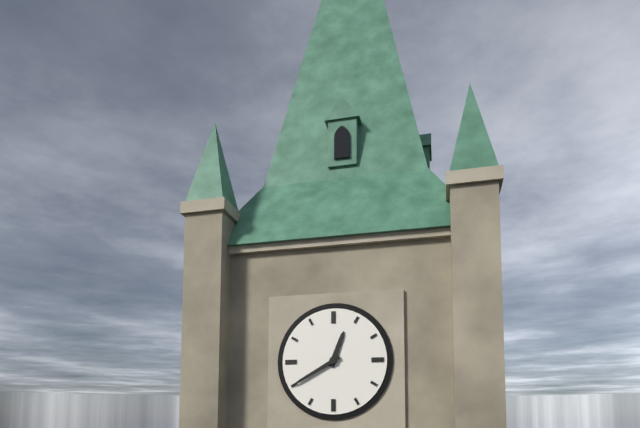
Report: {"hour": 12, "minute": 40}
